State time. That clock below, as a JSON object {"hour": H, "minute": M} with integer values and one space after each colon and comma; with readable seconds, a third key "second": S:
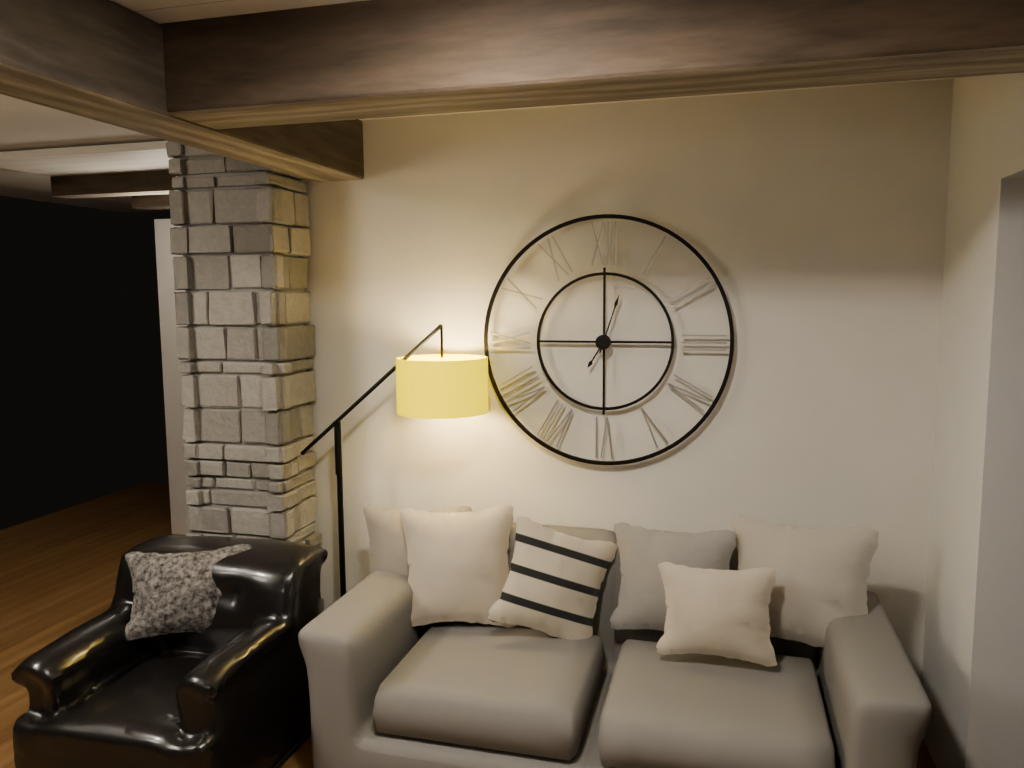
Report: {"hour": 7, "minute": 3}
